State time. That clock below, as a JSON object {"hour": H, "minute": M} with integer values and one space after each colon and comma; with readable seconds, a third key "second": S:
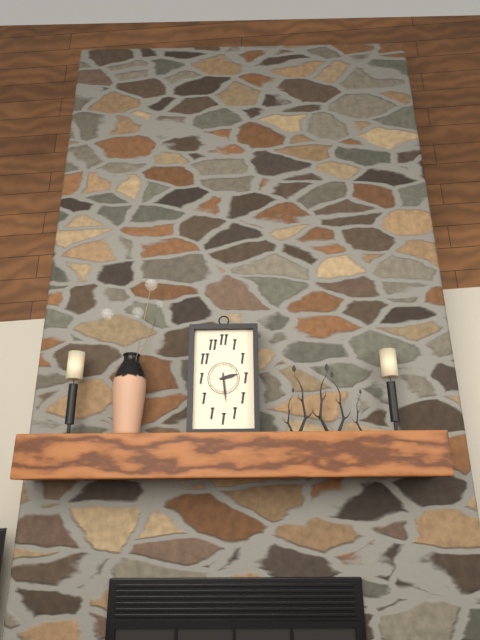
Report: {"hour": 2, "minute": 29}
